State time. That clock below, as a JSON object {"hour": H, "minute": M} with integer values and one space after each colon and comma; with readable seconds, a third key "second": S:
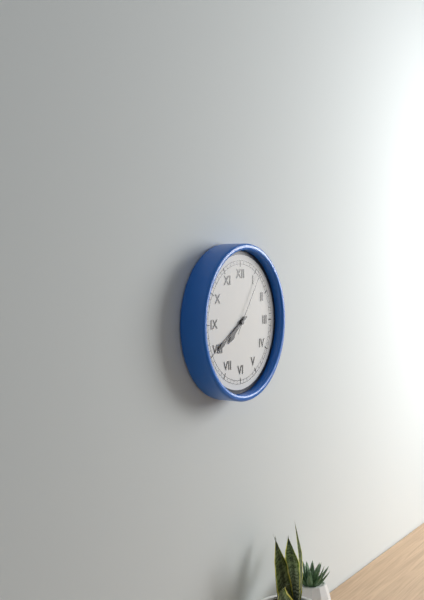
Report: {"hour": 7, "minute": 40, "second": 6}
